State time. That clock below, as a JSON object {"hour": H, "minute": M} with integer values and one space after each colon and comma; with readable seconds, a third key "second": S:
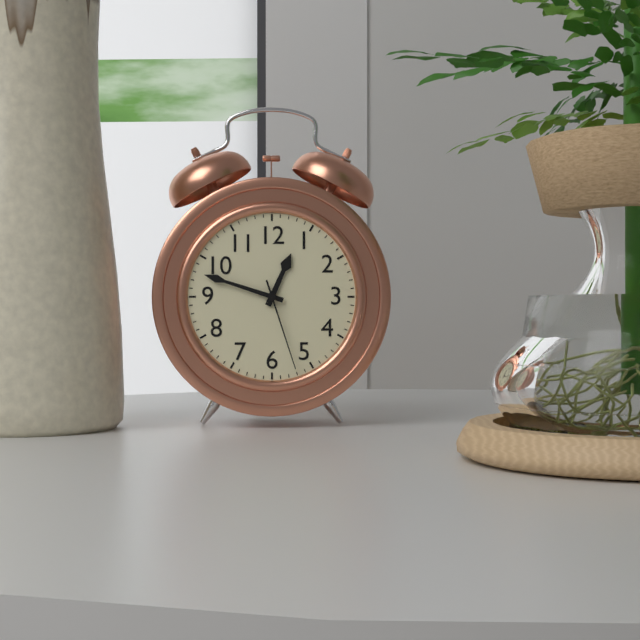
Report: {"hour": 12, "minute": 48, "second": 27}
